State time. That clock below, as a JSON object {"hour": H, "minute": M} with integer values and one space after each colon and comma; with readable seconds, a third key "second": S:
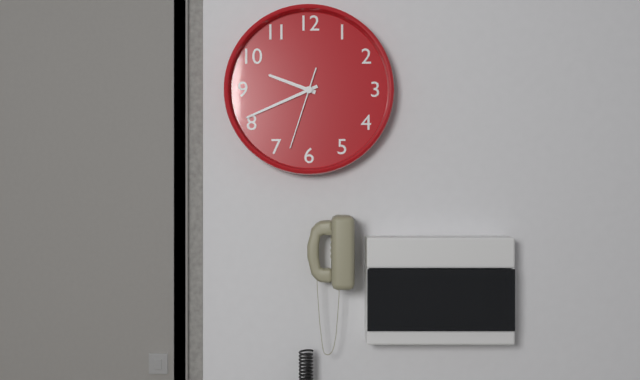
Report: {"hour": 9, "minute": 41, "second": 33}
